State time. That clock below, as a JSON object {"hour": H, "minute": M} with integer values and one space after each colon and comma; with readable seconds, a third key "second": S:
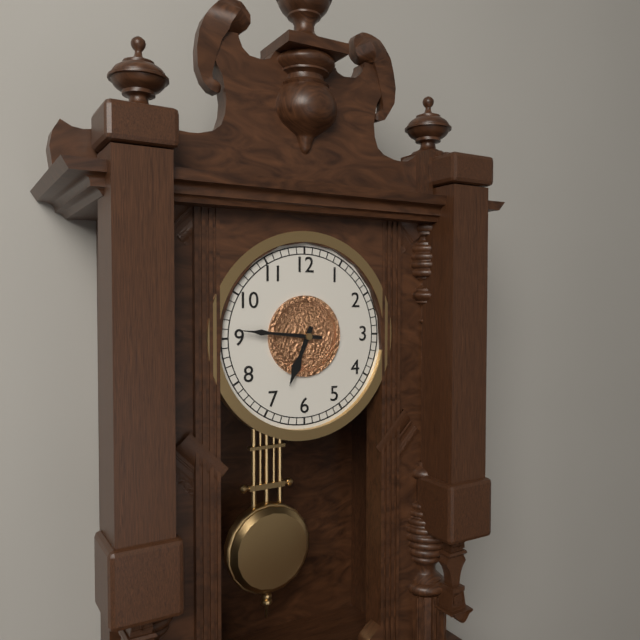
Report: {"hour": 6, "minute": 46}
